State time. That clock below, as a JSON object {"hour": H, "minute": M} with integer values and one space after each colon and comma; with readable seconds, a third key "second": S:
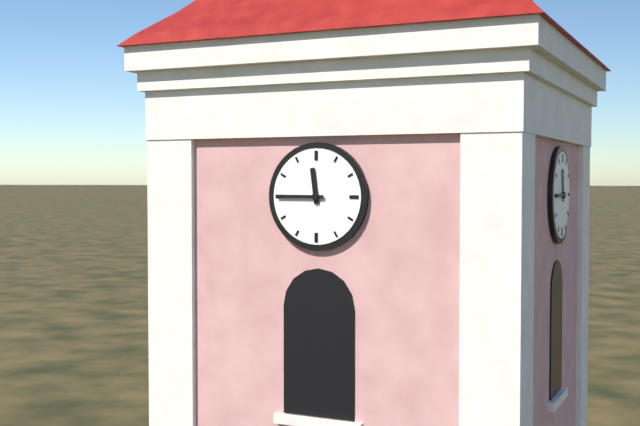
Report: {"hour": 11, "minute": 45}
